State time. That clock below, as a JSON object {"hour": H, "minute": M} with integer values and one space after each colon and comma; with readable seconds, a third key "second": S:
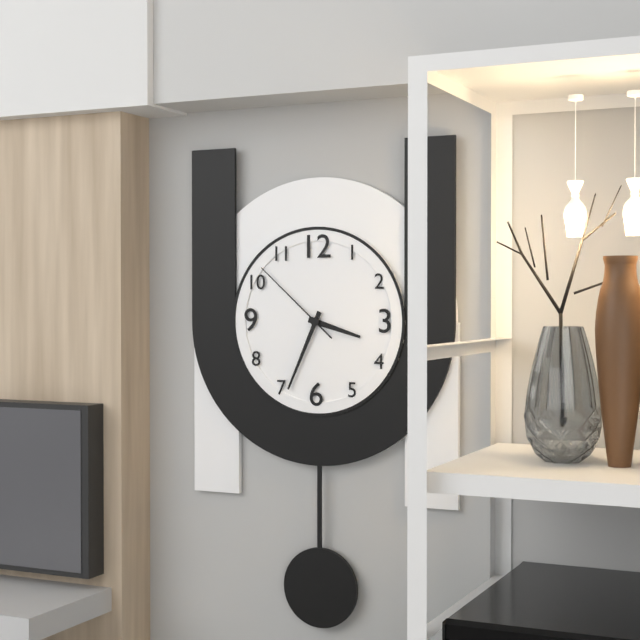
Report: {"hour": 3, "minute": 34, "second": 52}
